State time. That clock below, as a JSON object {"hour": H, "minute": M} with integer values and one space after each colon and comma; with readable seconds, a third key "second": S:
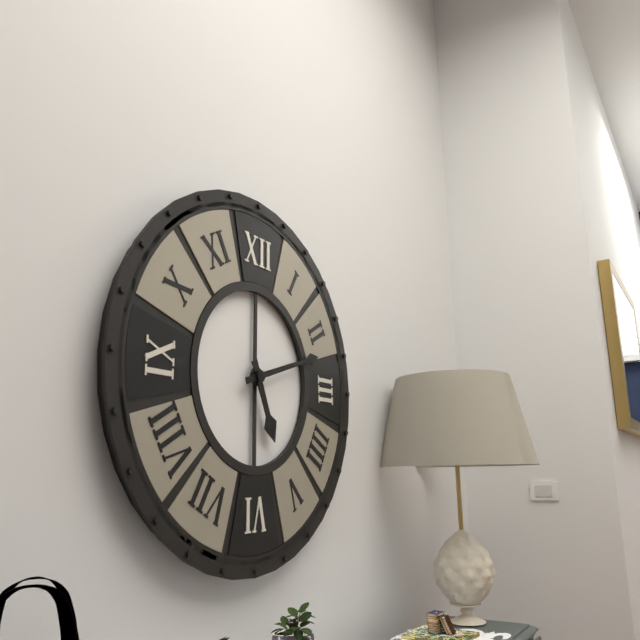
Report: {"hour": 5, "minute": 12}
